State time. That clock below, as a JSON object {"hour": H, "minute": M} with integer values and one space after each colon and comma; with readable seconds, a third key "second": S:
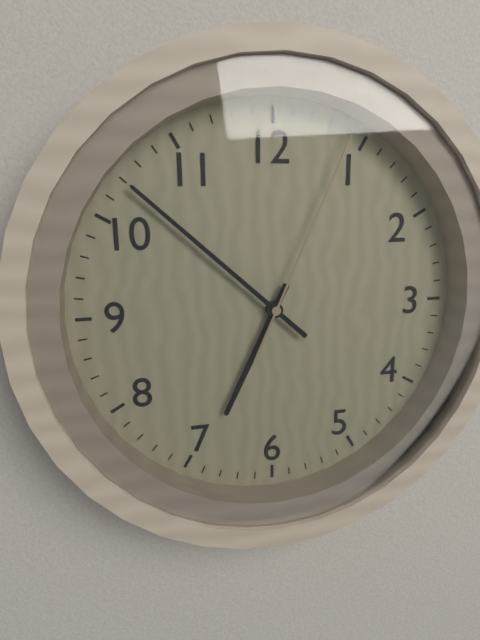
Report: {"hour": 6, "minute": 52, "second": 4}
